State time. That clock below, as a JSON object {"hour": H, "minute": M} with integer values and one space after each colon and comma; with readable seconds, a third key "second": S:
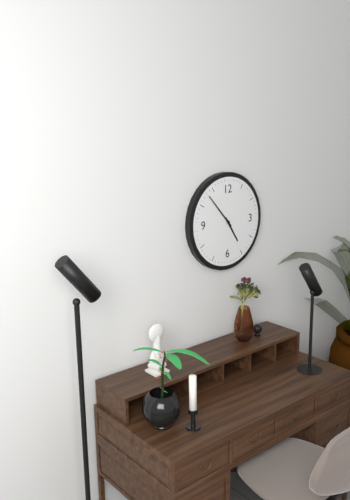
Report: {"hour": 4, "minute": 53}
